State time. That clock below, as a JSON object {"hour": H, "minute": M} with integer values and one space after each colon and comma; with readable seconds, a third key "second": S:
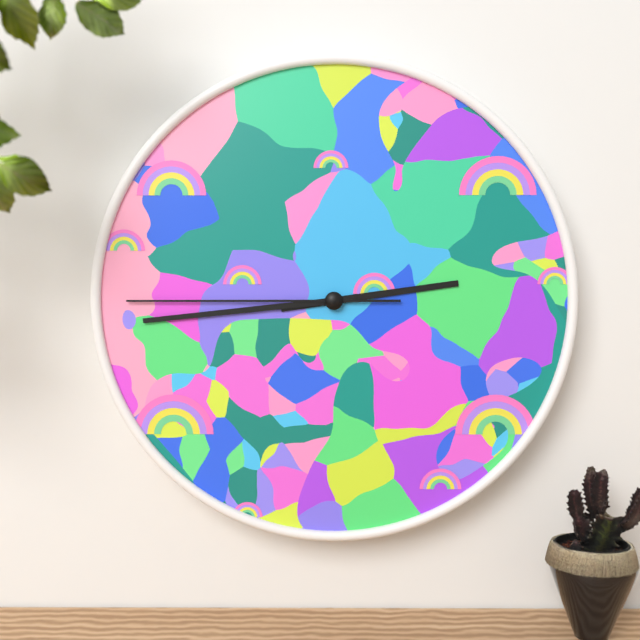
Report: {"hour": 2, "minute": 44, "second": 45}
